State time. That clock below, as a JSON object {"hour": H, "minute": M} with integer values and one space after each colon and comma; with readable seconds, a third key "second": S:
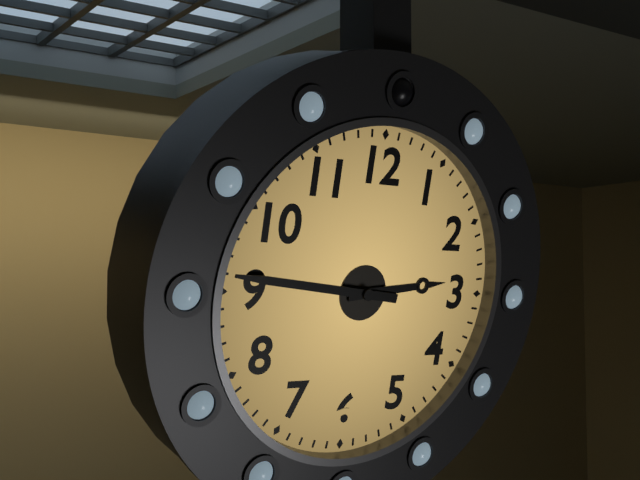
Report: {"hour": 2, "minute": 46}
